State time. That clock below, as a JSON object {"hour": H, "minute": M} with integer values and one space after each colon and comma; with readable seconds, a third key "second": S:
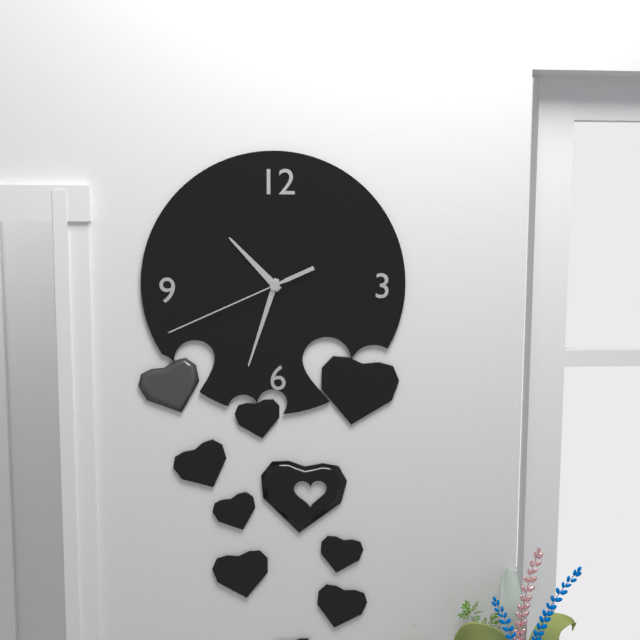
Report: {"hour": 10, "minute": 33, "second": 41}
